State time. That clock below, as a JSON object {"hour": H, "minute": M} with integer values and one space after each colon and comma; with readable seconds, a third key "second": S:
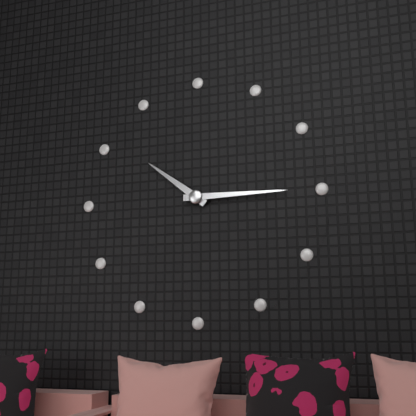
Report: {"hour": 10, "minute": 15}
